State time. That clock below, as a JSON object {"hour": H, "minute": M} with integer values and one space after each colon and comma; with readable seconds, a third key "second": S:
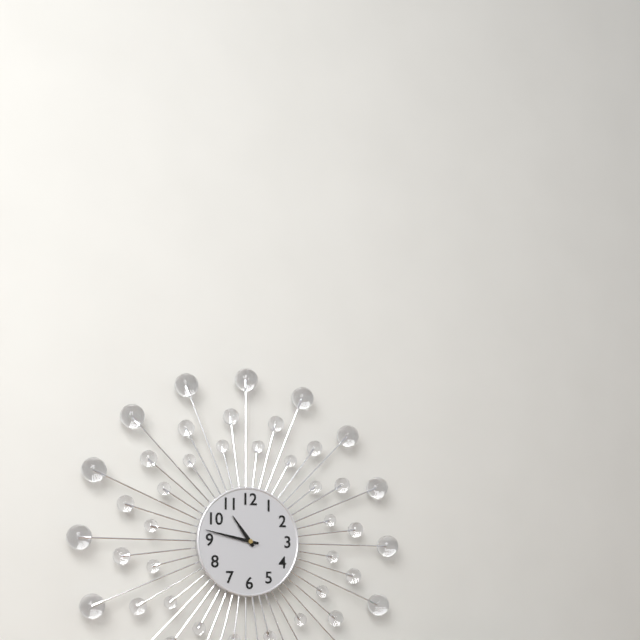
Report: {"hour": 10, "minute": 47}
